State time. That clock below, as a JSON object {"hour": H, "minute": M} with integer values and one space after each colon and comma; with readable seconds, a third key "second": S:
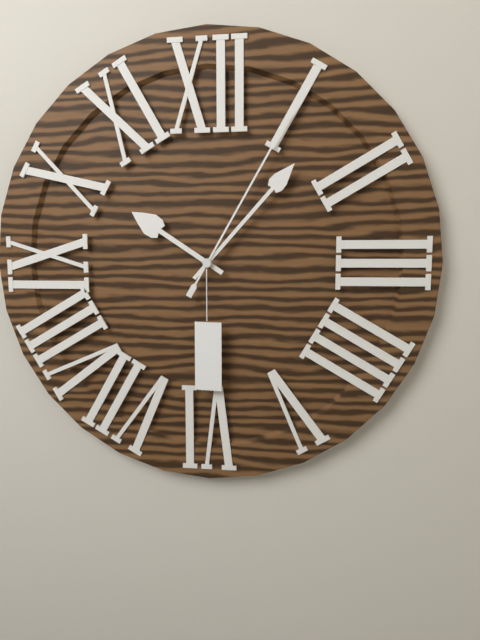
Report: {"hour": 10, "minute": 7, "second": 5}
